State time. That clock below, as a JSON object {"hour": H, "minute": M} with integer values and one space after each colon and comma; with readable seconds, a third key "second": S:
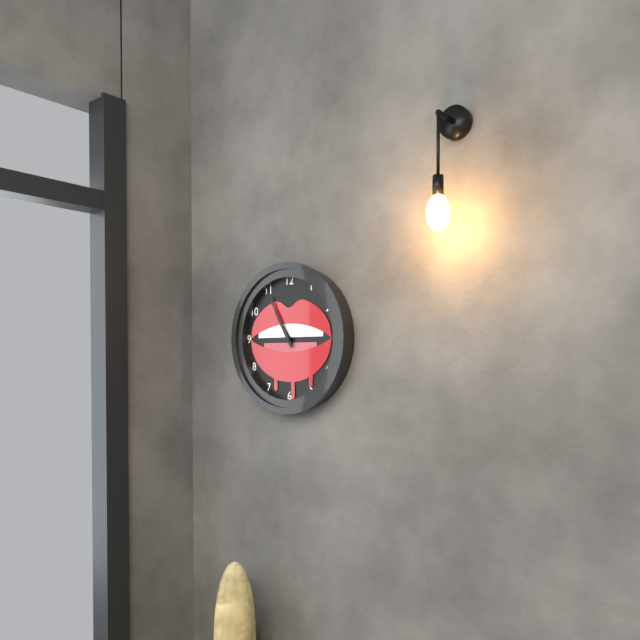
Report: {"hour": 10, "minute": 55}
